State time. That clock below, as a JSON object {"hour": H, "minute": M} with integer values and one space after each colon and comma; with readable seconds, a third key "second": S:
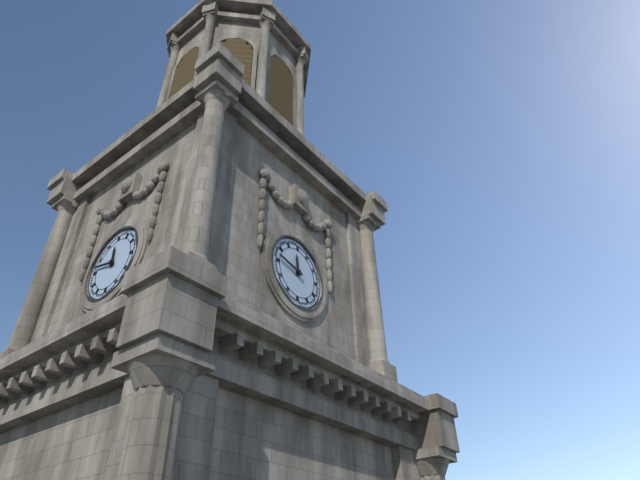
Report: {"hour": 11, "minute": 47}
